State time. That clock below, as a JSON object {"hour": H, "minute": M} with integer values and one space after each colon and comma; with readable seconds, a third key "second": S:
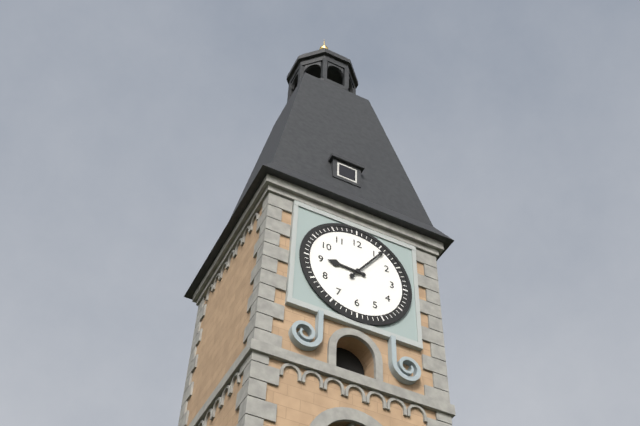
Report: {"hour": 9, "minute": 6}
